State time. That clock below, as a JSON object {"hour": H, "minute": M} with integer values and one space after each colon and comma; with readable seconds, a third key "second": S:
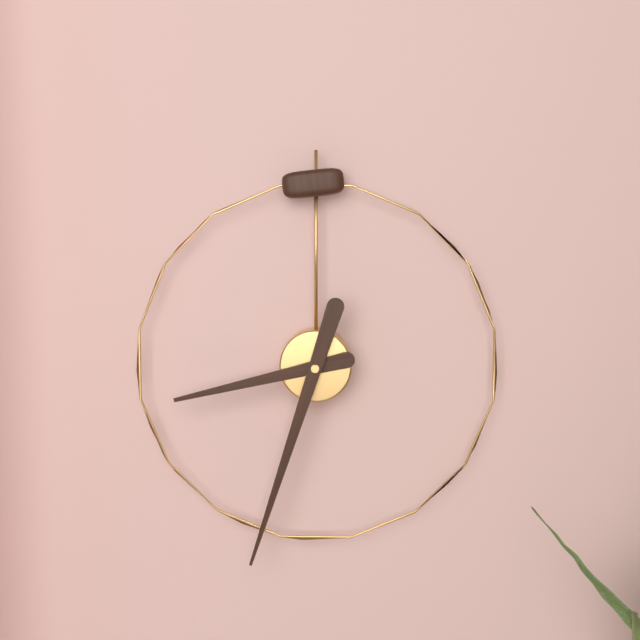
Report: {"hour": 8, "minute": 33}
